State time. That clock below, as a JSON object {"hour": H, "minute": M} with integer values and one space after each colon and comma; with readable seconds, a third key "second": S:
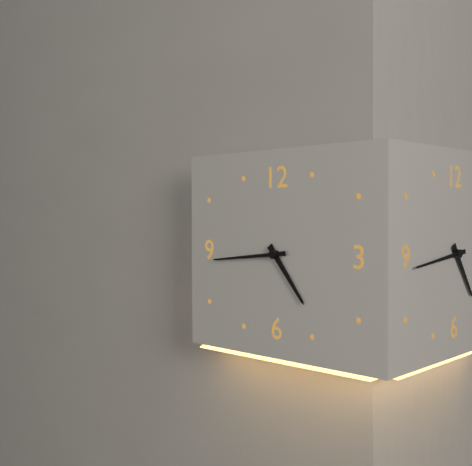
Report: {"hour": 4, "minute": 44}
